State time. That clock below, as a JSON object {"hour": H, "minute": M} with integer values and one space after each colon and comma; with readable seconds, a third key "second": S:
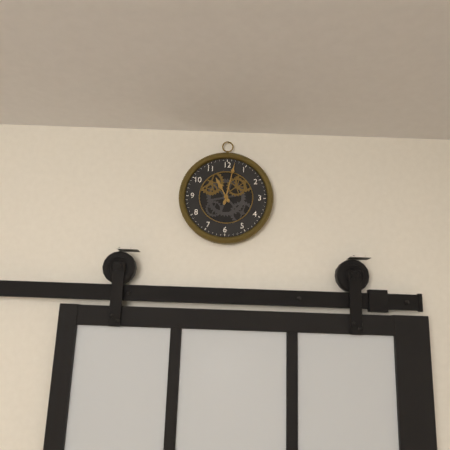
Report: {"hour": 11, "minute": 2}
